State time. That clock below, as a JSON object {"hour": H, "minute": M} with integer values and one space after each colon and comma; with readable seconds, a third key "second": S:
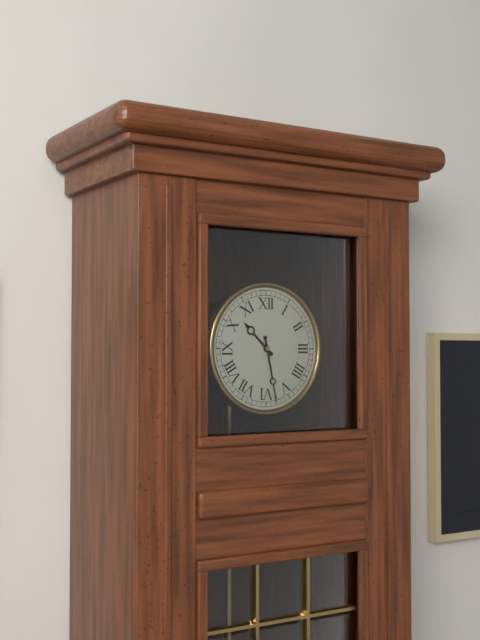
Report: {"hour": 10, "minute": 28}
